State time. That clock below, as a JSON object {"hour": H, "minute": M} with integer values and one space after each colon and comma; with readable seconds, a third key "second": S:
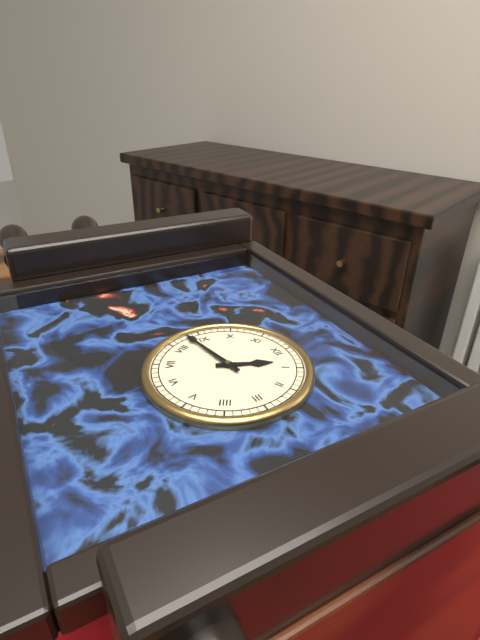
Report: {"hour": 12, "minute": 43}
